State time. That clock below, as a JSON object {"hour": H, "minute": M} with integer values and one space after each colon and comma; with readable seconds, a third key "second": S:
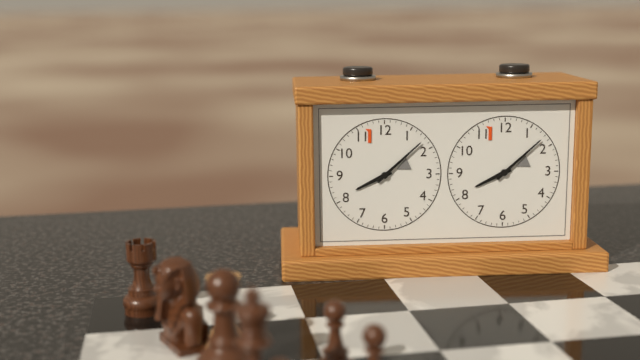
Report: {"hour": 8, "minute": 8}
